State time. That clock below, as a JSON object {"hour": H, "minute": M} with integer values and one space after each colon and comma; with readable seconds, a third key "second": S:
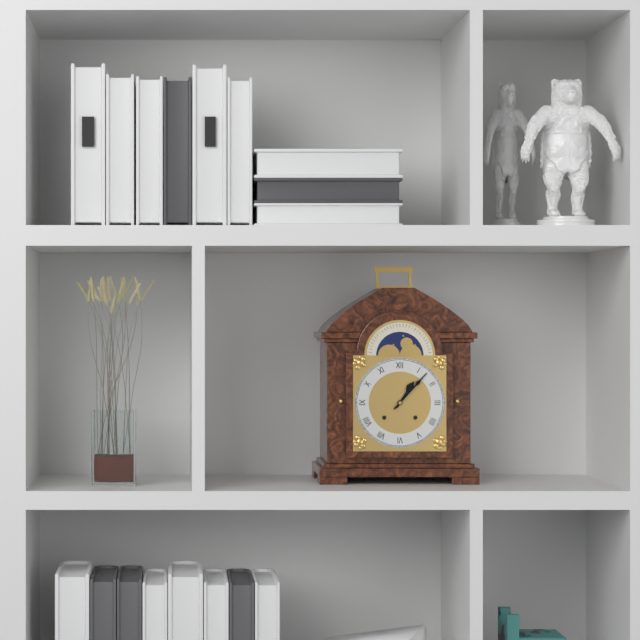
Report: {"hour": 1, "minute": 7}
